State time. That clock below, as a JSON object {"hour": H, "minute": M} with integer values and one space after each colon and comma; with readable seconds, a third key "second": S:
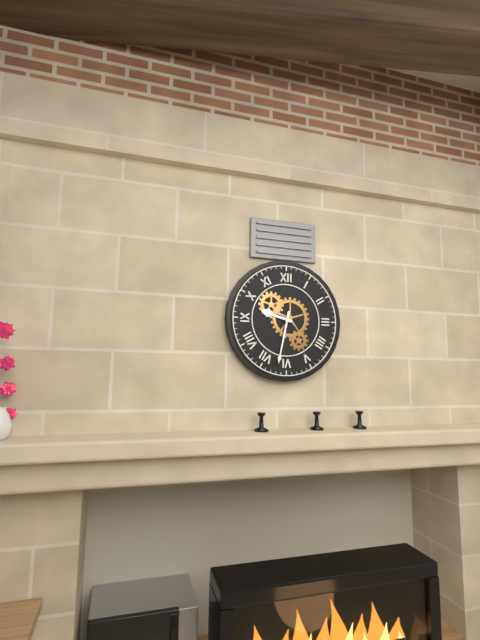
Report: {"hour": 9, "minute": 32}
